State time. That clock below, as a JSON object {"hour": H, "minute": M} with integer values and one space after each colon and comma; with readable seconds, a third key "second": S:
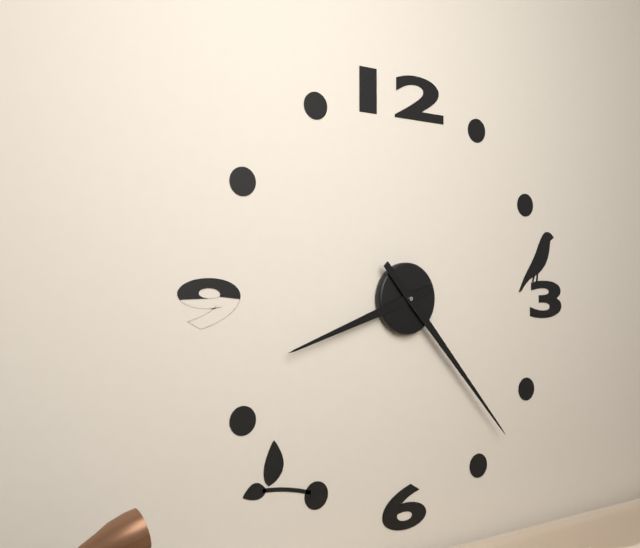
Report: {"hour": 8, "minute": 23}
